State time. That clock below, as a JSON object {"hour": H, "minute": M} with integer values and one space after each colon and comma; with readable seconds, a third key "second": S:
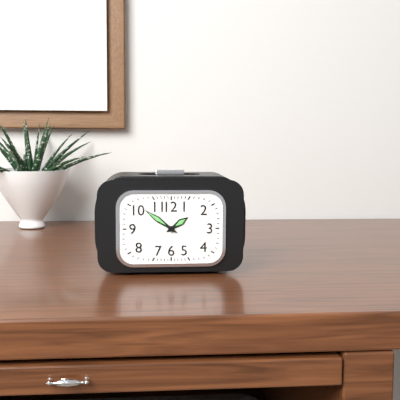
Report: {"hour": 1, "minute": 51}
